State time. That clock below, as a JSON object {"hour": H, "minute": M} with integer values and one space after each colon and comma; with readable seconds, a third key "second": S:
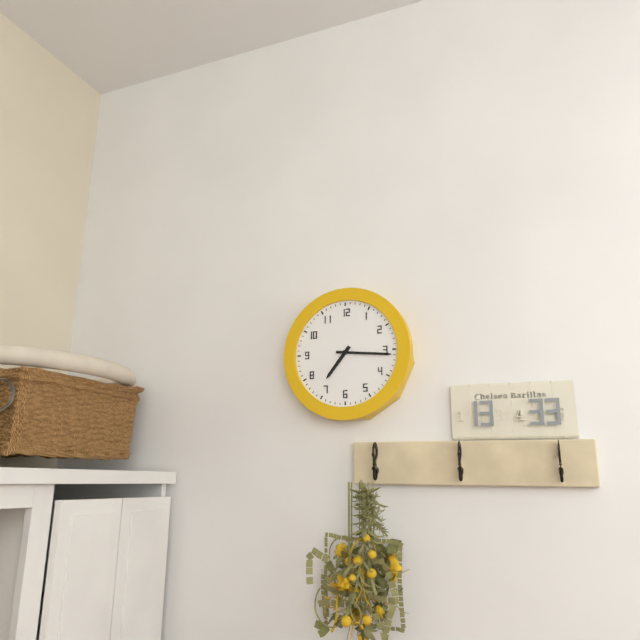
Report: {"hour": 7, "minute": 16}
